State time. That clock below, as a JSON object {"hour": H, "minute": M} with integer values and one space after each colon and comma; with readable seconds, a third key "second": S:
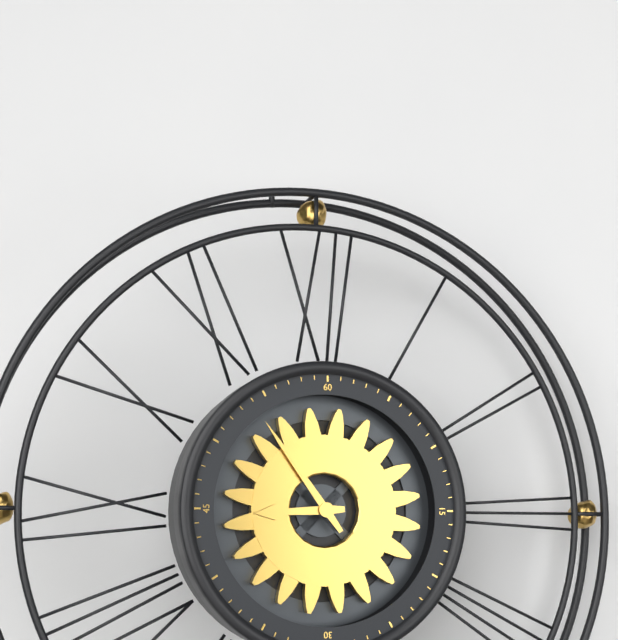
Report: {"hour": 8, "minute": 54}
